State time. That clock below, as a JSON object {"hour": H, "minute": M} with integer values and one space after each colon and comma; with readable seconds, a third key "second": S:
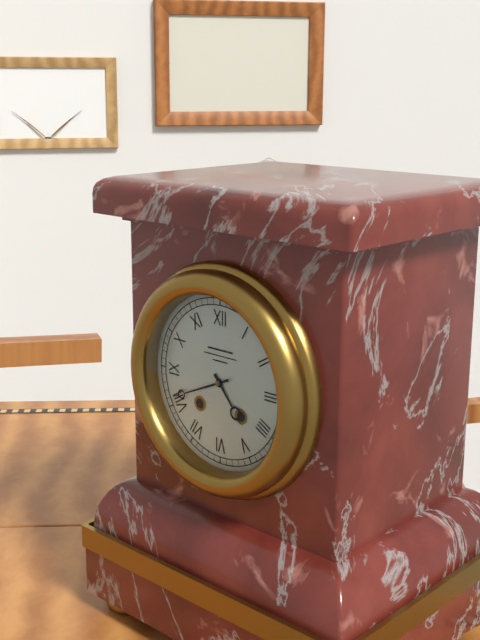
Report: {"hour": 4, "minute": 41}
